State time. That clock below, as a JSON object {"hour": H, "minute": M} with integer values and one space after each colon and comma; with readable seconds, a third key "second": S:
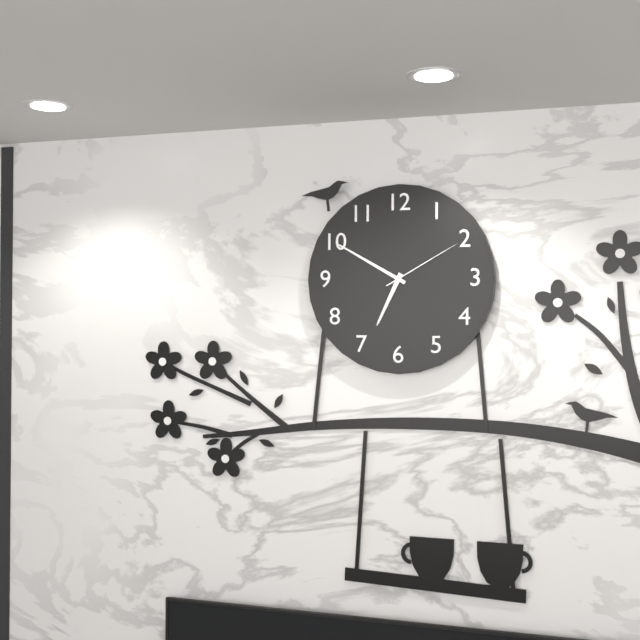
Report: {"hour": 6, "minute": 50, "second": 10}
